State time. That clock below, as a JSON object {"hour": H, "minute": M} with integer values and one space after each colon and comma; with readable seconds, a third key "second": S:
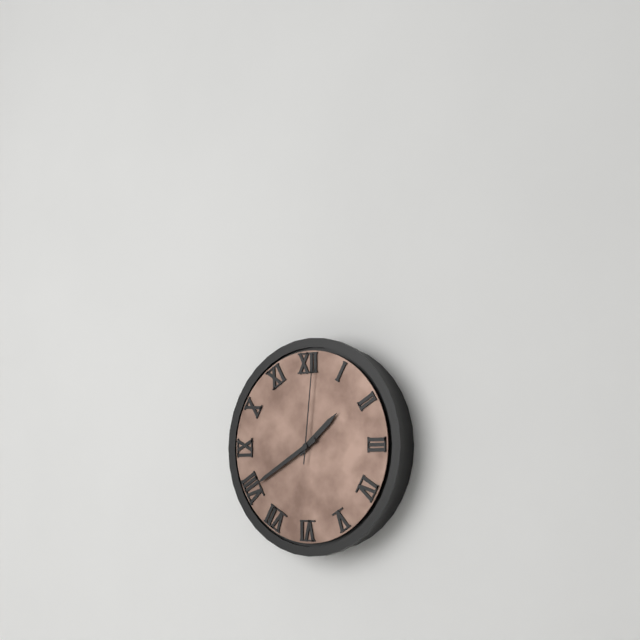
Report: {"hour": 1, "minute": 40, "second": 1}
